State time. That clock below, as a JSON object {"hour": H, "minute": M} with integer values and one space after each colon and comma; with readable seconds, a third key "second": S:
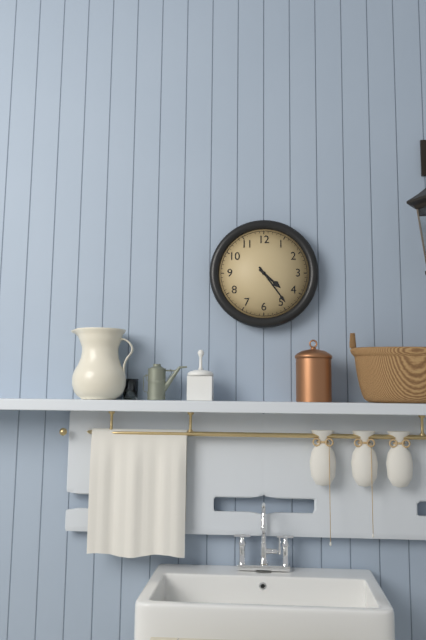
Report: {"hour": 4, "minute": 24}
